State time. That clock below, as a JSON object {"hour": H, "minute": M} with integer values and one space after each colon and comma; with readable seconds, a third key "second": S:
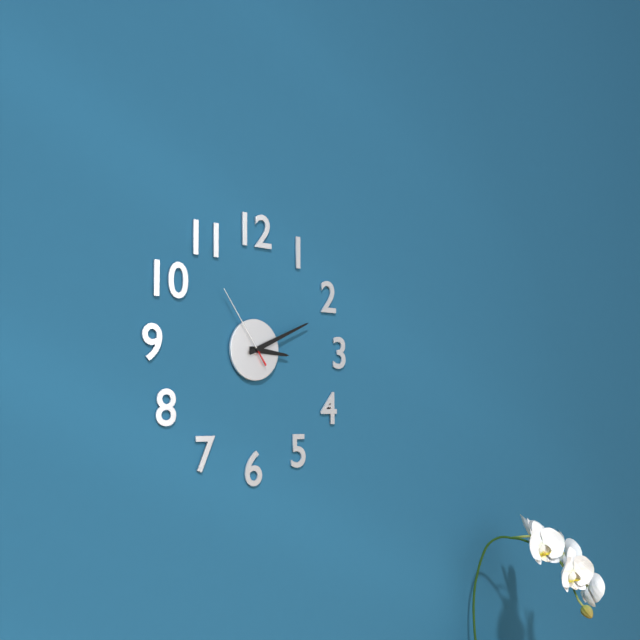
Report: {"hour": 3, "minute": 11, "second": 54}
